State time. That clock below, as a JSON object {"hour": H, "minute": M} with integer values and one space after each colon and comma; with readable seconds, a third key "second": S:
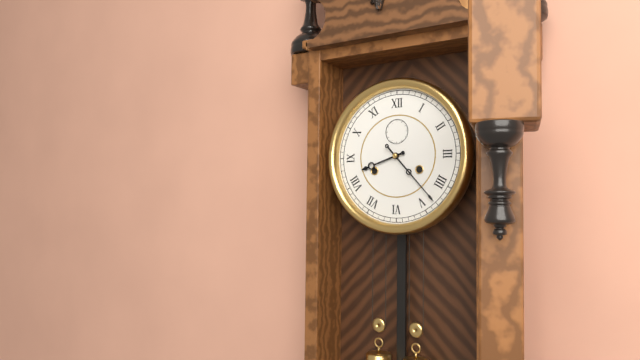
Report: {"hour": 8, "minute": 23}
